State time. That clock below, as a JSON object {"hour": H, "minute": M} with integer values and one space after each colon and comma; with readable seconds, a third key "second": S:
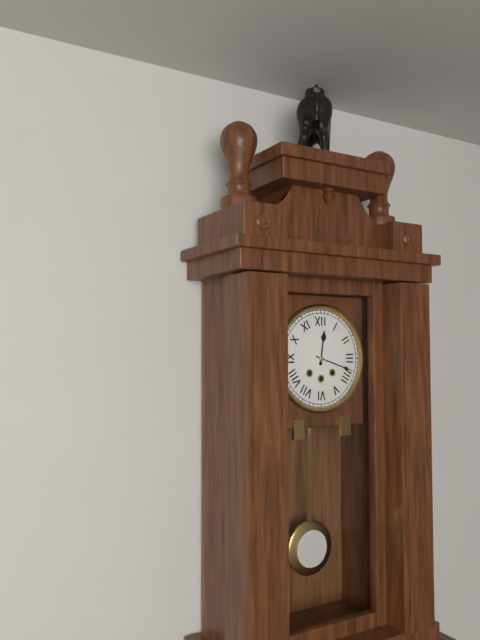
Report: {"hour": 12, "minute": 18}
